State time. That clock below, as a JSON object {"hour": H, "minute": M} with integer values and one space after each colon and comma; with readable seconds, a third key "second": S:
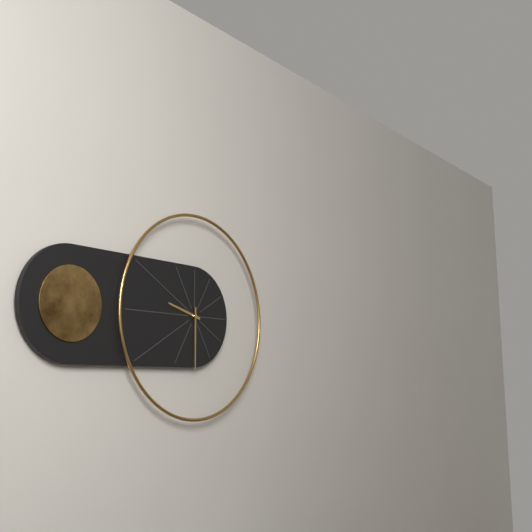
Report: {"hour": 9, "minute": 30}
